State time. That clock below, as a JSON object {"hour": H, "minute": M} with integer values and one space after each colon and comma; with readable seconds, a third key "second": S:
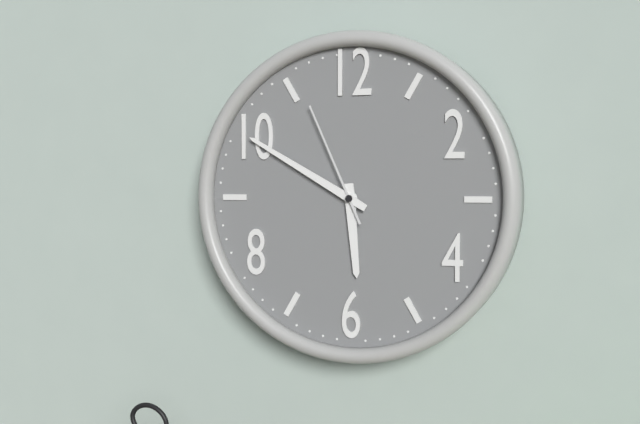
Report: {"hour": 5, "minute": 50, "second": 56}
